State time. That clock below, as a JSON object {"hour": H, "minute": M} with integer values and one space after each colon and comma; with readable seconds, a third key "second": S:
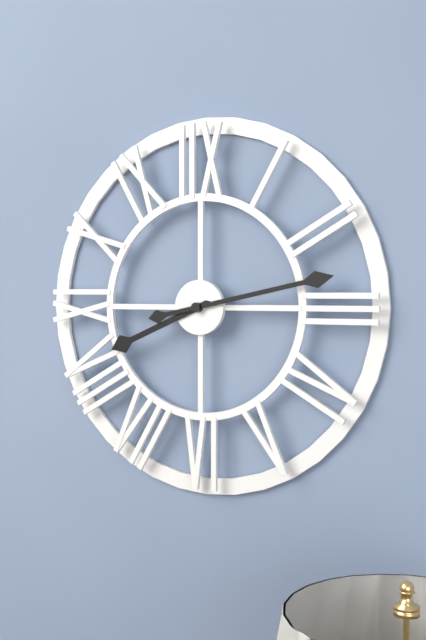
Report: {"hour": 8, "minute": 13}
